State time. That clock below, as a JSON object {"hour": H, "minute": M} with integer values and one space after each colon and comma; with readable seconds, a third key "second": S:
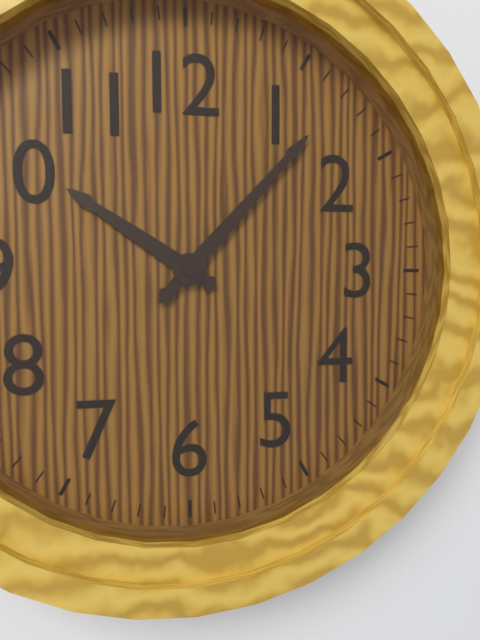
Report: {"hour": 10, "minute": 7}
